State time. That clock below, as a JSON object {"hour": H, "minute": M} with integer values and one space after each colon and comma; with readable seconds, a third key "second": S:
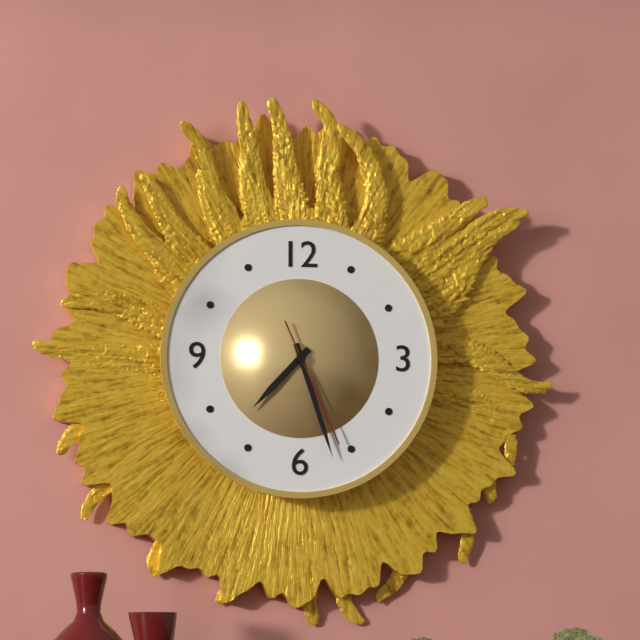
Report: {"hour": 7, "minute": 27, "second": 26}
